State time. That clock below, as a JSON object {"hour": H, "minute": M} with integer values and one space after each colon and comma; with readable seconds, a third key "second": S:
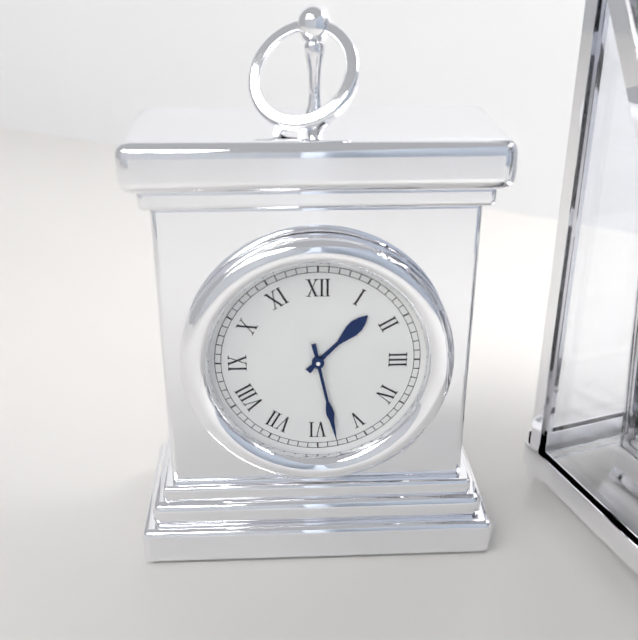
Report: {"hour": 1, "minute": 28}
